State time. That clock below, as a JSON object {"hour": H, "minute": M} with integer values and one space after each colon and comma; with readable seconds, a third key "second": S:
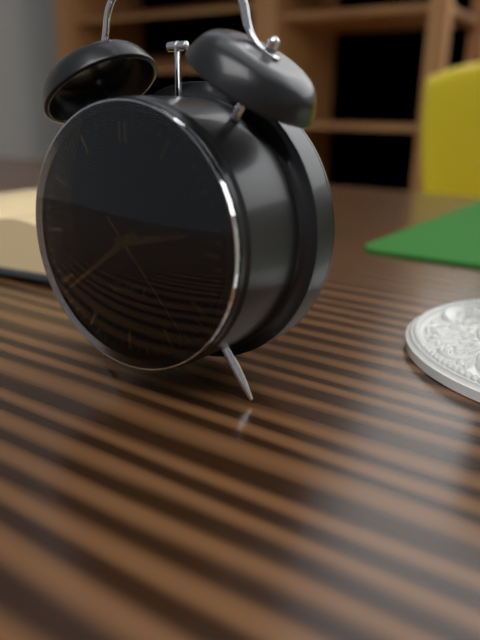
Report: {"hour": 2, "minute": 39, "second": 23}
